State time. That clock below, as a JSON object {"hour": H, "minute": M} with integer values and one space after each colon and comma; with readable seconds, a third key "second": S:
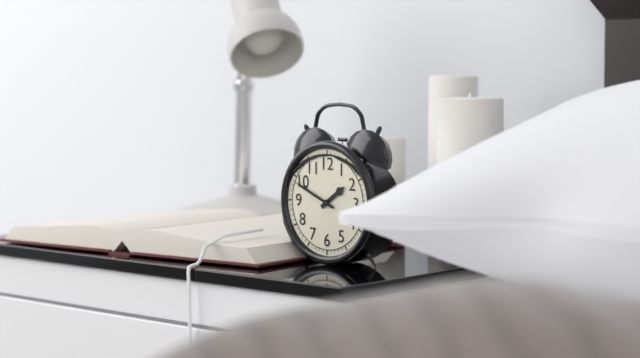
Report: {"hour": 1, "minute": 49}
